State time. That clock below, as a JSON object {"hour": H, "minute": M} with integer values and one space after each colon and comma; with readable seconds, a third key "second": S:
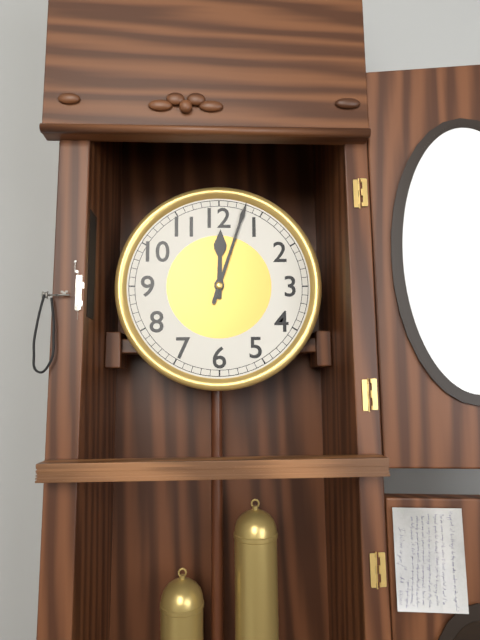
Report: {"hour": 12, "minute": 3}
